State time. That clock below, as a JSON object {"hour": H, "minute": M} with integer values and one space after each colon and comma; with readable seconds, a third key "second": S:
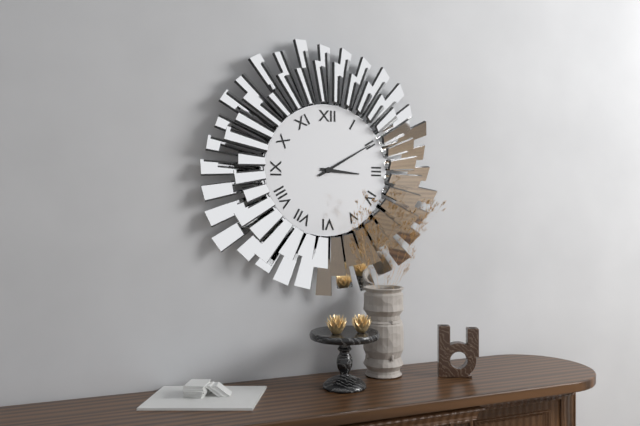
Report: {"hour": 3, "minute": 10}
